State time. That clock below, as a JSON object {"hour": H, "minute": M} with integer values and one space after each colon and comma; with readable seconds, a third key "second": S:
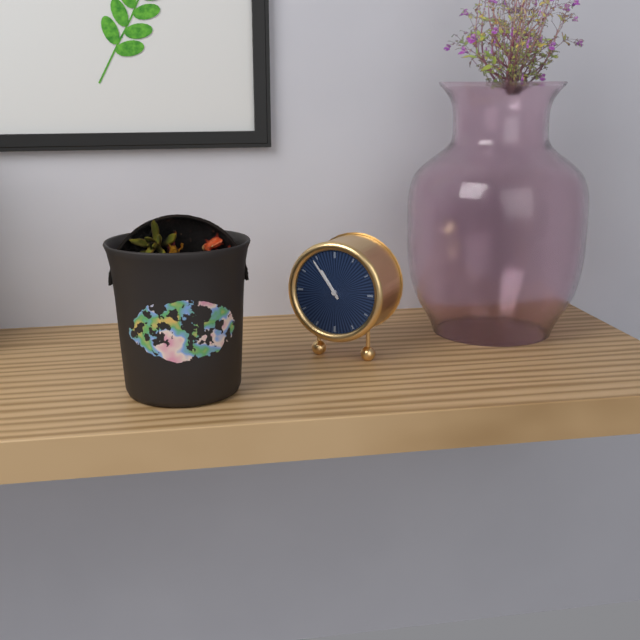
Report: {"hour": 10, "minute": 54}
